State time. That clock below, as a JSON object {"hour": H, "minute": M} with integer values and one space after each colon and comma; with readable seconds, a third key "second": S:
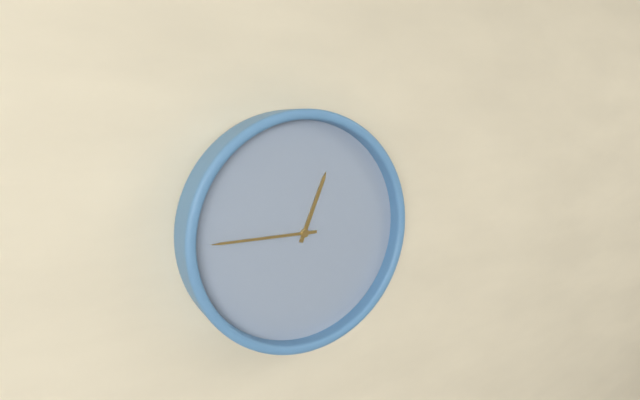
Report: {"hour": 12, "minute": 45}
